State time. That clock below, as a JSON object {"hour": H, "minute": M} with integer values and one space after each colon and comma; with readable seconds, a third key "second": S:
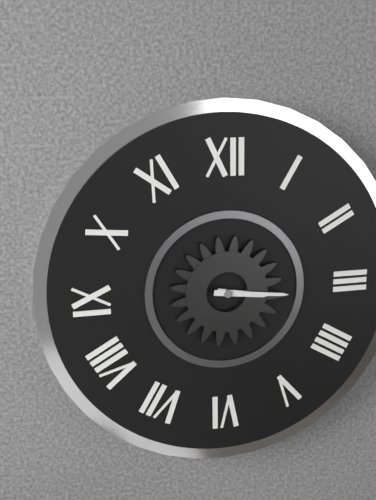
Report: {"hour": 3, "minute": 16}
